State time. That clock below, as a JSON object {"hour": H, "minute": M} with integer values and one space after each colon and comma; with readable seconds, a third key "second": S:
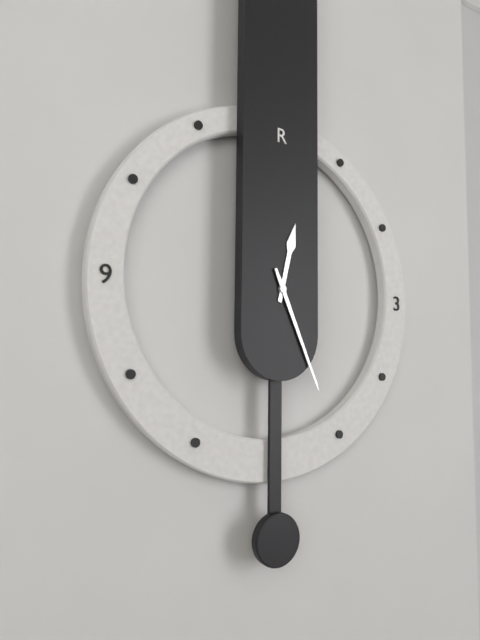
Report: {"hour": 12, "minute": 26}
